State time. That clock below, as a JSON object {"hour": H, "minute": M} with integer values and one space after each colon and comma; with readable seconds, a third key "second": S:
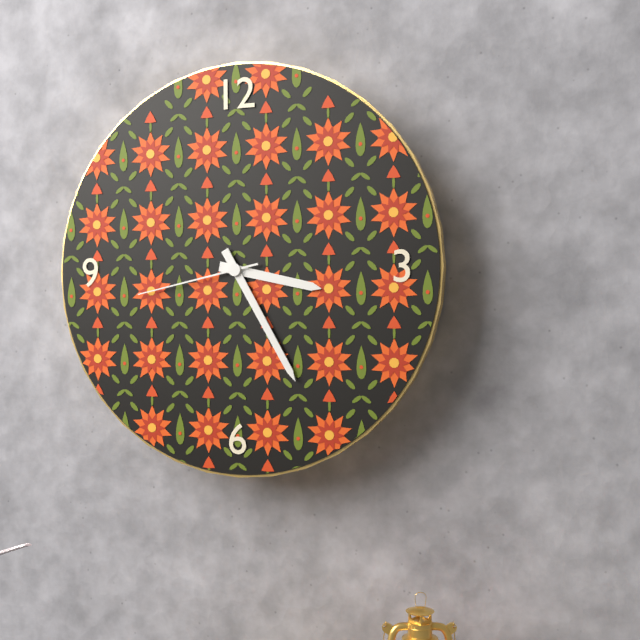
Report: {"hour": 3, "minute": 25, "second": 43}
